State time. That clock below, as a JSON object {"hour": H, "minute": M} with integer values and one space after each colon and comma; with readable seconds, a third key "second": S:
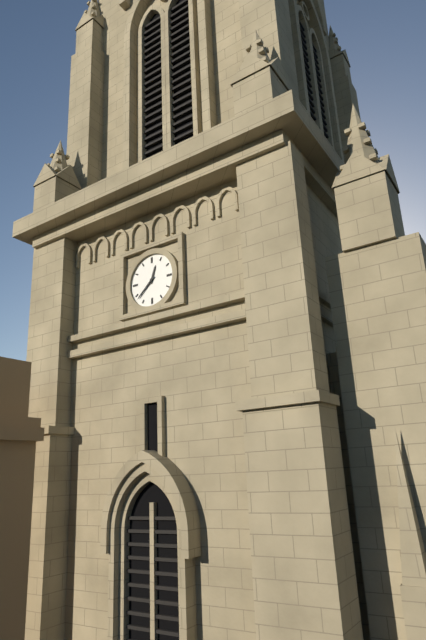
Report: {"hour": 12, "minute": 38}
